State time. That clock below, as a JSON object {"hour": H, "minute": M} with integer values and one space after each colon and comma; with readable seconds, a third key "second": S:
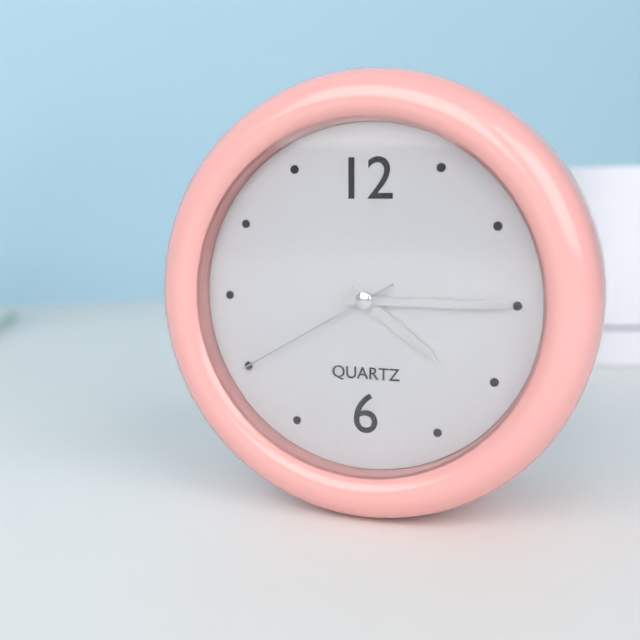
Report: {"hour": 4, "minute": 15, "second": 40}
